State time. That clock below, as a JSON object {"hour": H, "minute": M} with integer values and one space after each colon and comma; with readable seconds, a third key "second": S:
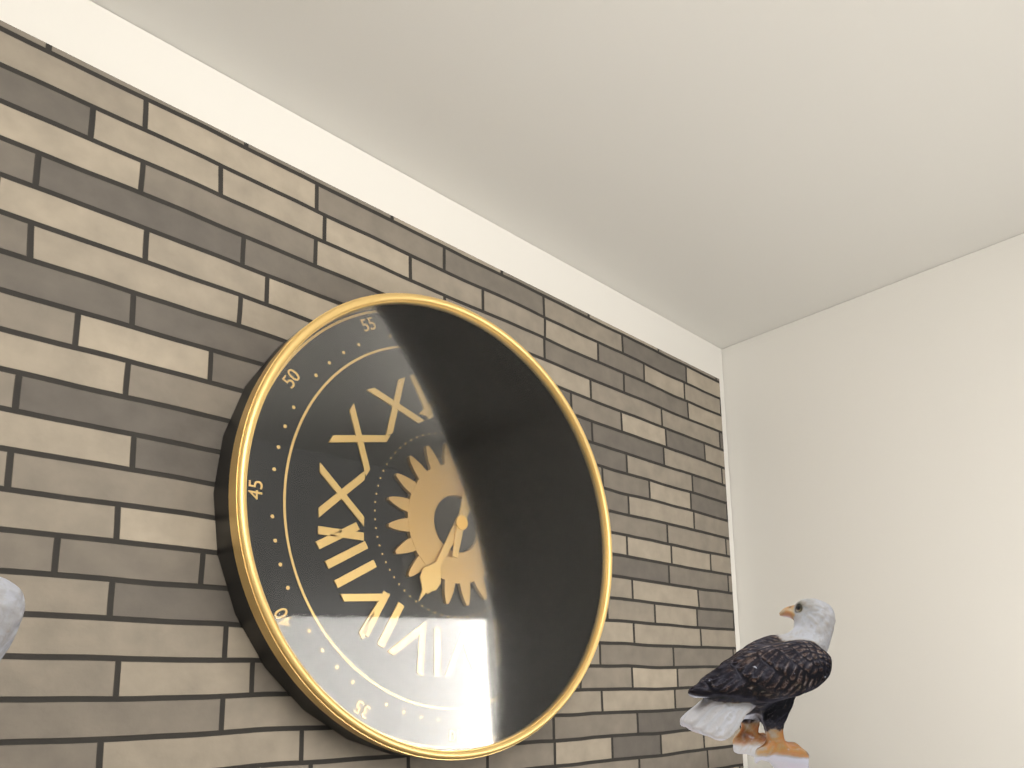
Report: {"hour": 7, "minute": 2}
